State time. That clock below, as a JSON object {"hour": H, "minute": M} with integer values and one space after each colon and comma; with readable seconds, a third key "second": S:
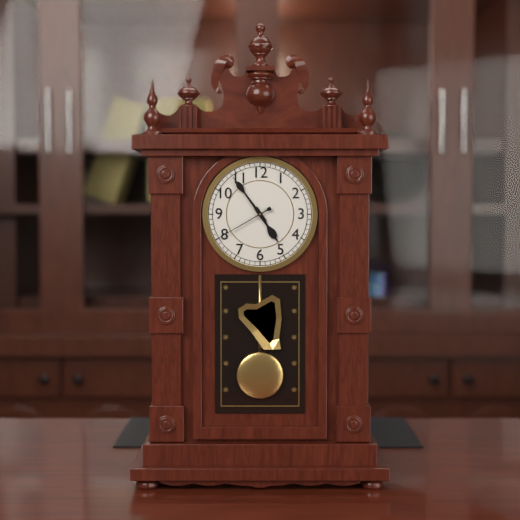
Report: {"hour": 4, "minute": 54, "second": 40}
